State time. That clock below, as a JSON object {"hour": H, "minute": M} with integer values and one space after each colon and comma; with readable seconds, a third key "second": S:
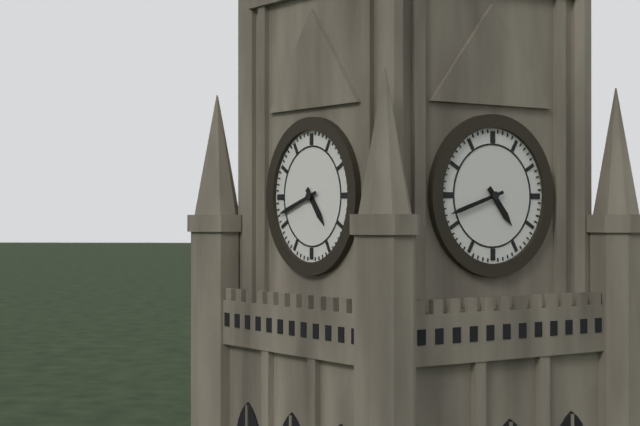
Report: {"hour": 4, "minute": 42}
